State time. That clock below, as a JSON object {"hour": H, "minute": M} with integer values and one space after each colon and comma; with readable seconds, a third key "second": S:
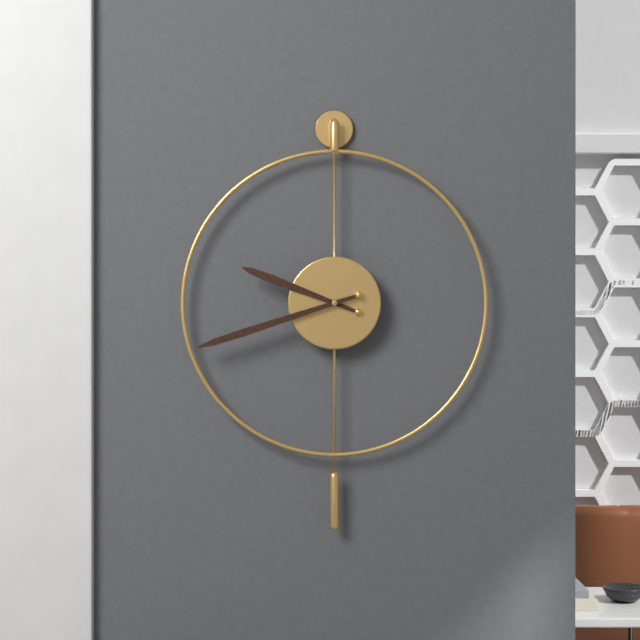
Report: {"hour": 9, "minute": 42}
